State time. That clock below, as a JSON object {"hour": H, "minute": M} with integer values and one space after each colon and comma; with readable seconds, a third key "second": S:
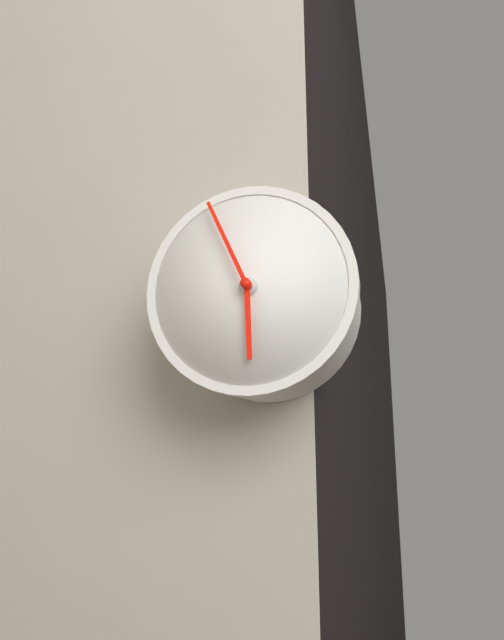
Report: {"hour": 5, "minute": 56}
